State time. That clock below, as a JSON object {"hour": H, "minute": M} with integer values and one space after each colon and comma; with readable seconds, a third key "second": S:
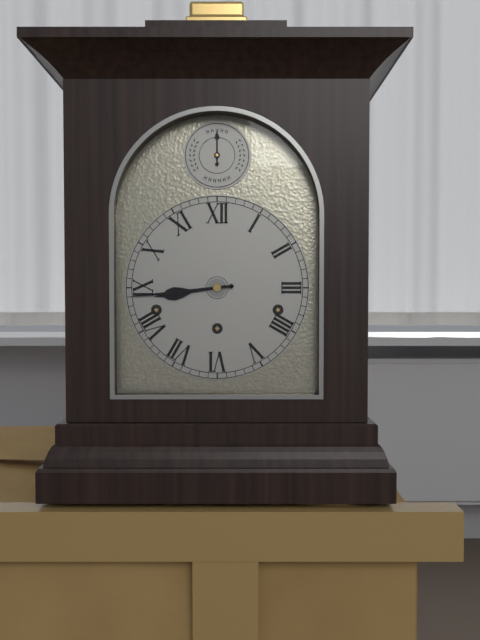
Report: {"hour": 8, "minute": 44}
